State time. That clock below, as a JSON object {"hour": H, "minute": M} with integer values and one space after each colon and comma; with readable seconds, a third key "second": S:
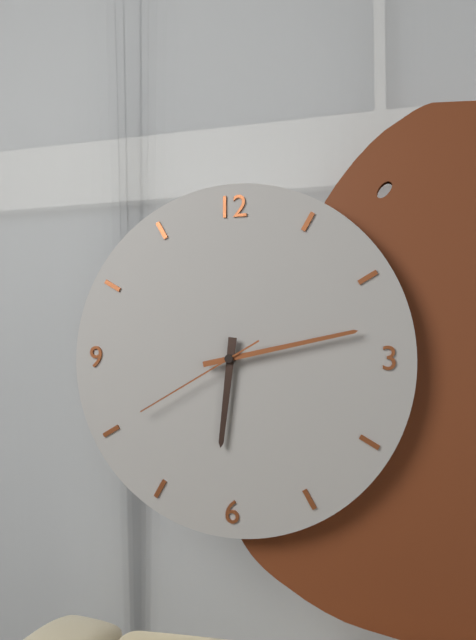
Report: {"hour": 6, "minute": 13, "second": 40}
